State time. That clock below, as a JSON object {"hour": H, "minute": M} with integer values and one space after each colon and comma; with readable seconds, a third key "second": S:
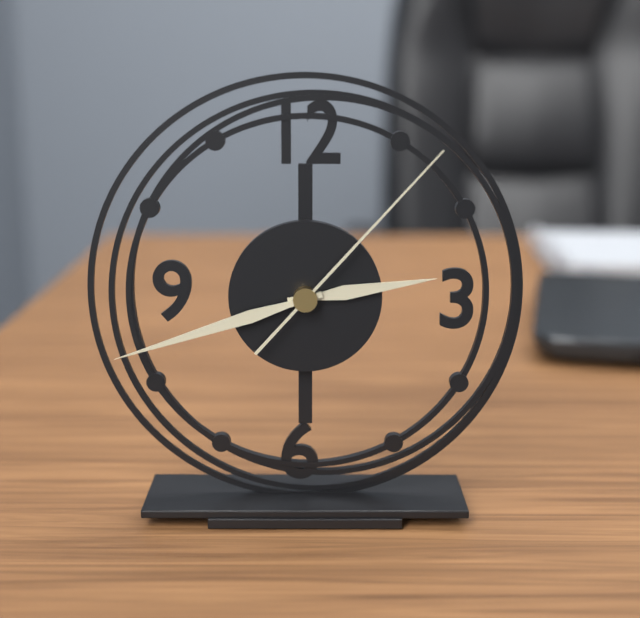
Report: {"hour": 2, "minute": 42, "second": 7}
